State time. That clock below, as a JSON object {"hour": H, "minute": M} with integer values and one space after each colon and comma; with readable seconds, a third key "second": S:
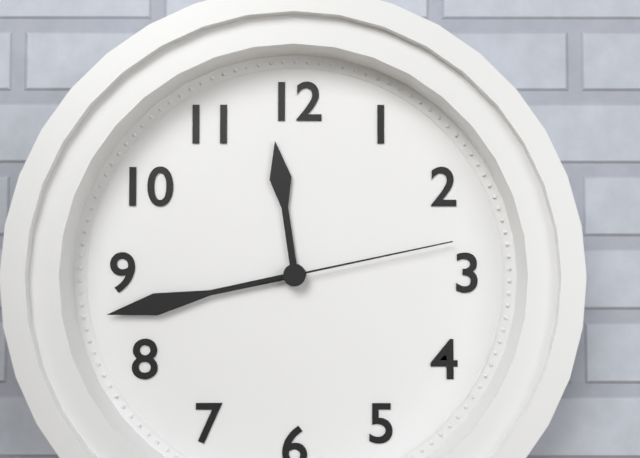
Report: {"hour": 11, "minute": 43, "second": 13}
